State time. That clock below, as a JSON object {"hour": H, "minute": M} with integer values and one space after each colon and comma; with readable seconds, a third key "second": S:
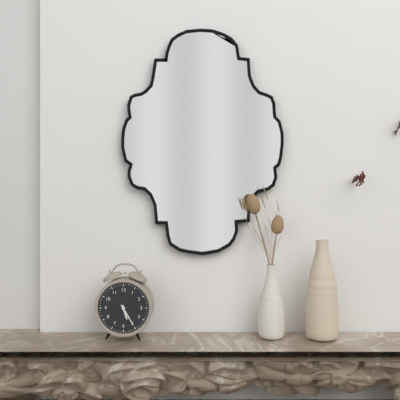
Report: {"hour": 5, "minute": 25}
